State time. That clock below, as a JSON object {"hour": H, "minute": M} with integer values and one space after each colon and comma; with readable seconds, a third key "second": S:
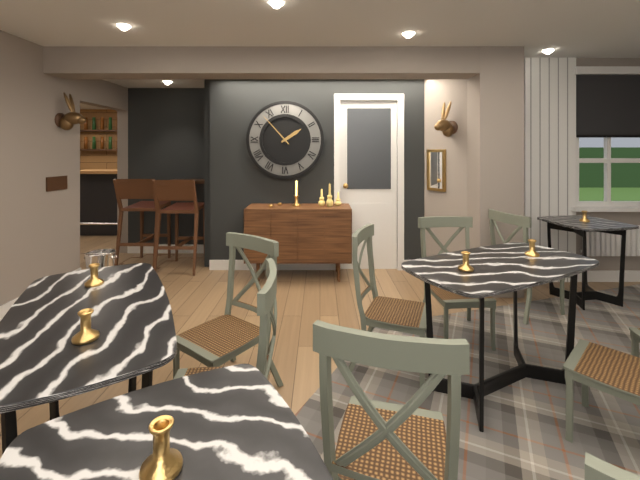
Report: {"hour": 1, "minute": 53}
